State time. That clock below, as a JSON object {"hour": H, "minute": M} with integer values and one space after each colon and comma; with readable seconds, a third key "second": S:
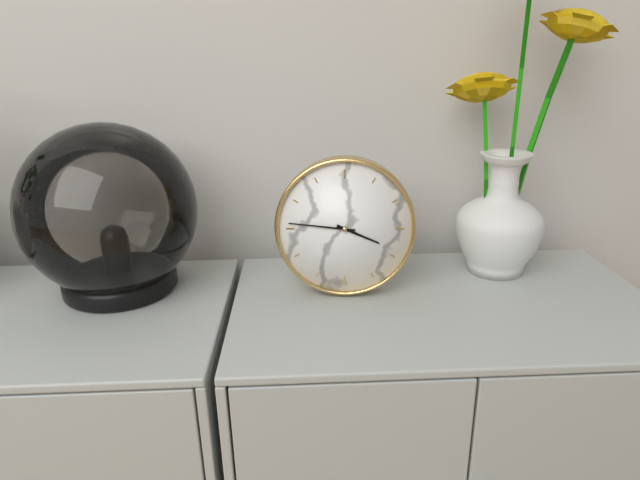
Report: {"hour": 3, "minute": 46}
